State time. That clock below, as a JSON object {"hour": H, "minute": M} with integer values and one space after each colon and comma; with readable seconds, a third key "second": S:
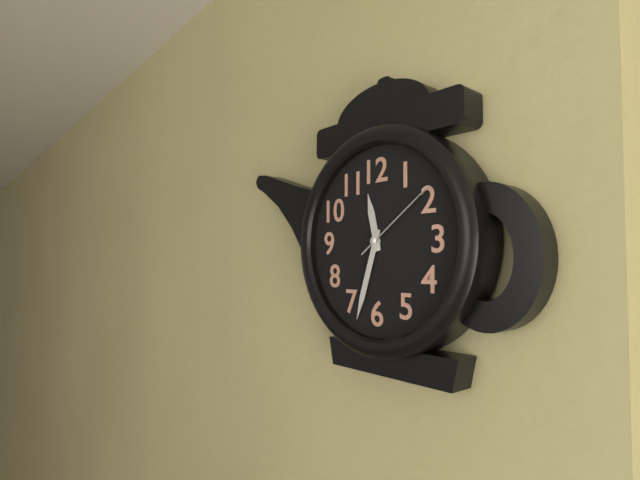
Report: {"hour": 11, "minute": 33, "second": 9}
